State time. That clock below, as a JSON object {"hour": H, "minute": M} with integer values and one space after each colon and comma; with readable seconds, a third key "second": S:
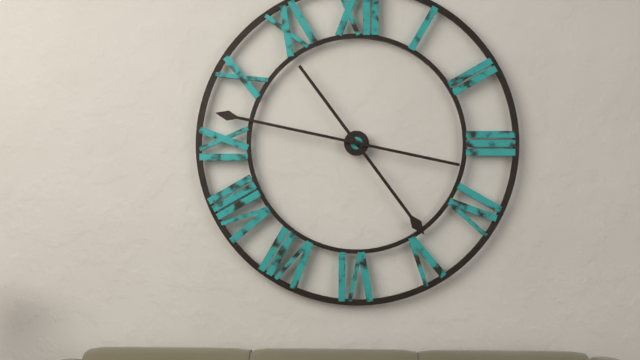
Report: {"hour": 4, "minute": 47}
